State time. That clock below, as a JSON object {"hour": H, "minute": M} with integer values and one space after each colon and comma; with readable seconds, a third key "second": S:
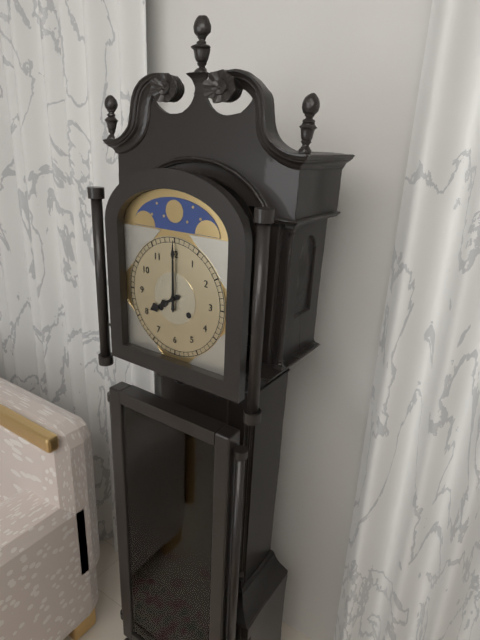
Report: {"hour": 8, "minute": 0}
